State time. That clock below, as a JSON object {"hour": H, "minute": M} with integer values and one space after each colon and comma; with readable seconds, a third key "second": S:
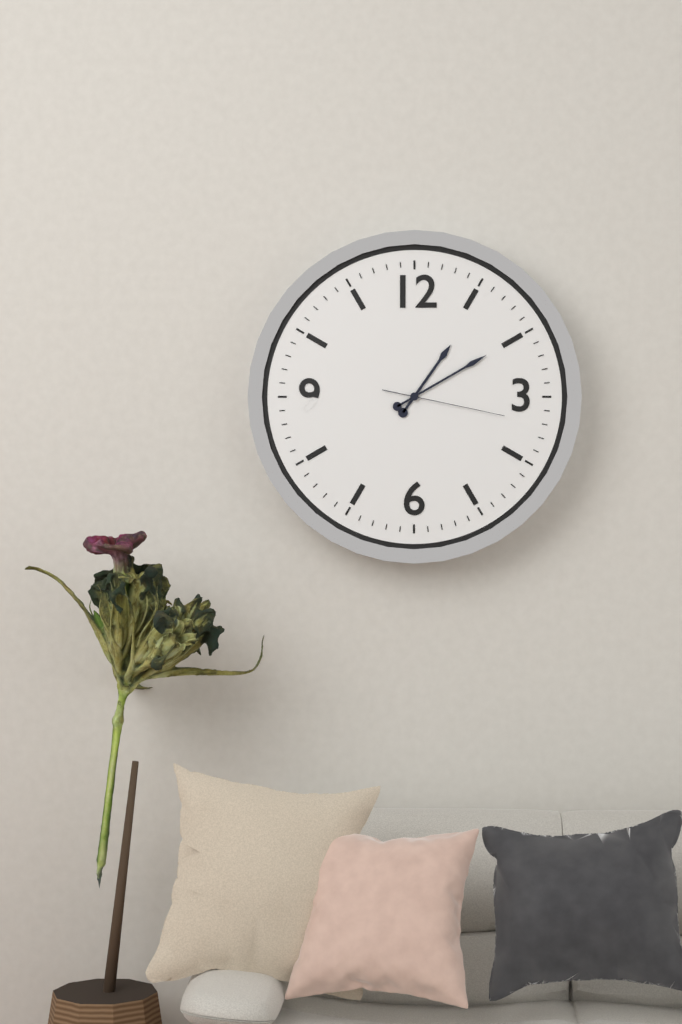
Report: {"hour": 1, "minute": 10, "second": 17}
